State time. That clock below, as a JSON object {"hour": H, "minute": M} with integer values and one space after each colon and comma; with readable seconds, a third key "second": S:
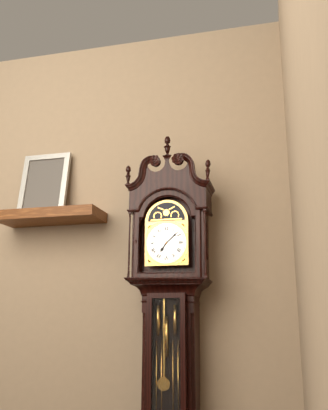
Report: {"hour": 7, "minute": 8}
